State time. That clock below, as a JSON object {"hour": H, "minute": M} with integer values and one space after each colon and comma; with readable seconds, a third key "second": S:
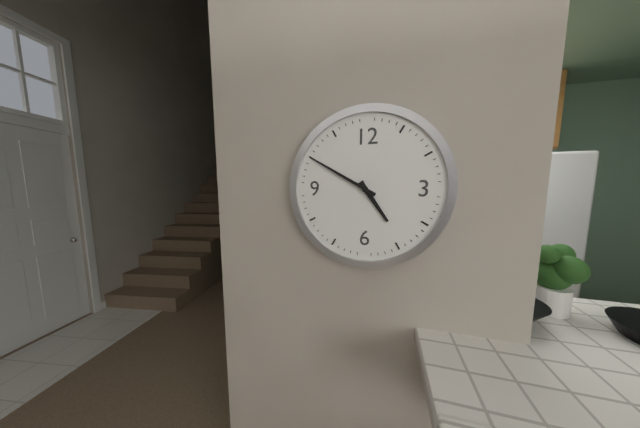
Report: {"hour": 4, "minute": 50}
